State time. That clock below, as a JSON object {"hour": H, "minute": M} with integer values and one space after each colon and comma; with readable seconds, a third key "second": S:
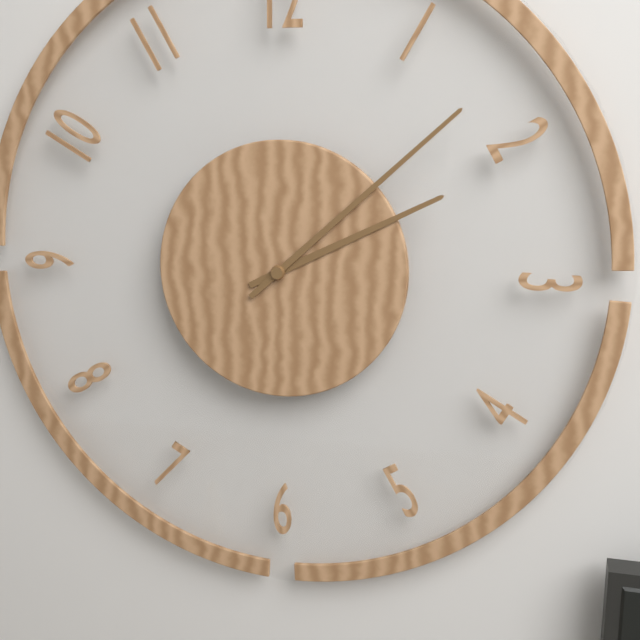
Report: {"hour": 2, "minute": 8}
